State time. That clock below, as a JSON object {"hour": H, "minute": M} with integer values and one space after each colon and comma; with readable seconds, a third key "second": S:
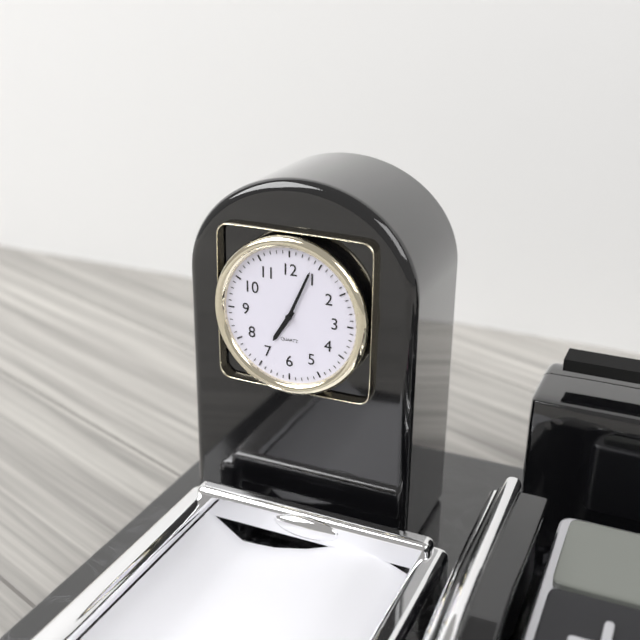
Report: {"hour": 7, "minute": 4}
